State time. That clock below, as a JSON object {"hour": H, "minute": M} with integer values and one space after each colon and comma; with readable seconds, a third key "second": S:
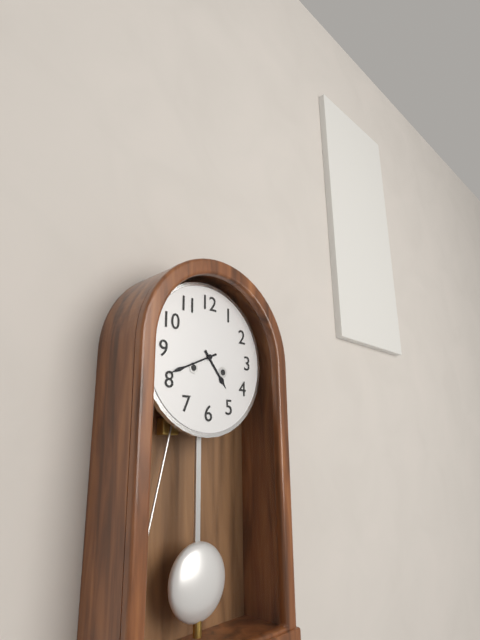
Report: {"hour": 4, "minute": 41}
